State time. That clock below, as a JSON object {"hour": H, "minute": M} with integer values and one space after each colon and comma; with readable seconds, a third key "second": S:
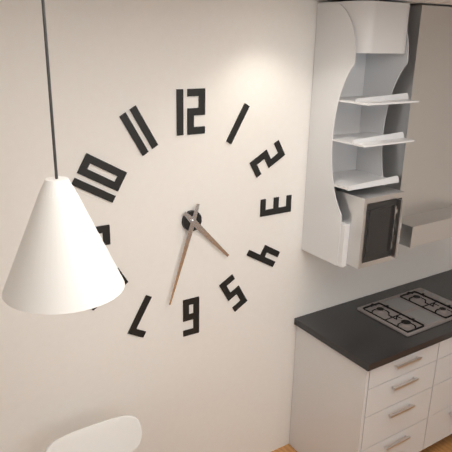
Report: {"hour": 4, "minute": 33}
